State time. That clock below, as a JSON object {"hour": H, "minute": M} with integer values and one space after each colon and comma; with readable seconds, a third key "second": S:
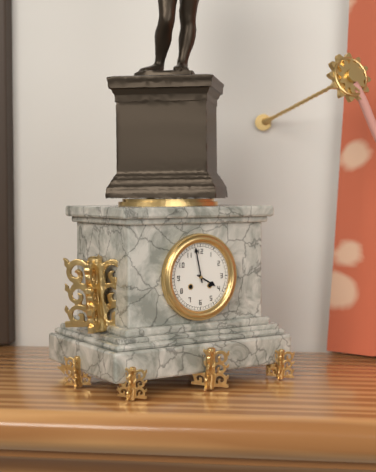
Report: {"hour": 3, "minute": 58}
